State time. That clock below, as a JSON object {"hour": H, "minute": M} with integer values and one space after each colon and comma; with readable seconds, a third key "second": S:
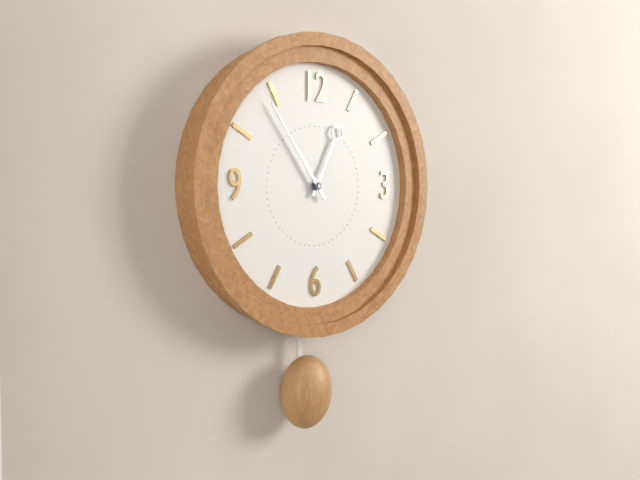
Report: {"hour": 12, "minute": 54}
